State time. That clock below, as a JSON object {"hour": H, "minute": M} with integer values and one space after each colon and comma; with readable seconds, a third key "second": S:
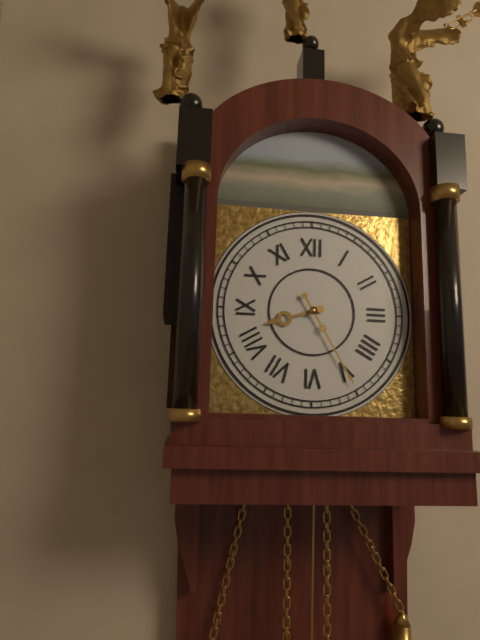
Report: {"hour": 8, "minute": 25}
